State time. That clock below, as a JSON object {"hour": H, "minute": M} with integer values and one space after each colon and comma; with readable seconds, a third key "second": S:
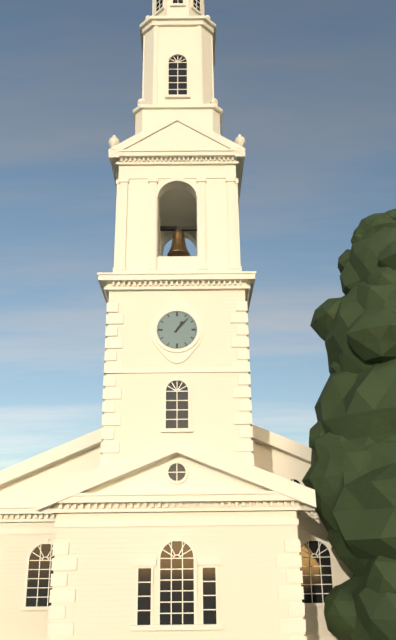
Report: {"hour": 1, "minute": 7}
